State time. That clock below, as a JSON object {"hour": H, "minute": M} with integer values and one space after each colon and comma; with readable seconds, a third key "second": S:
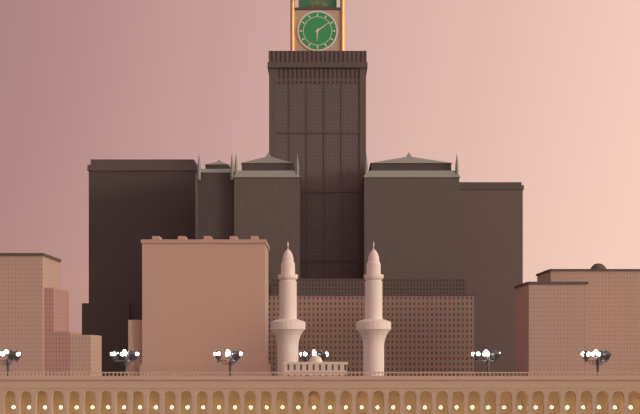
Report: {"hour": 6, "minute": 9}
